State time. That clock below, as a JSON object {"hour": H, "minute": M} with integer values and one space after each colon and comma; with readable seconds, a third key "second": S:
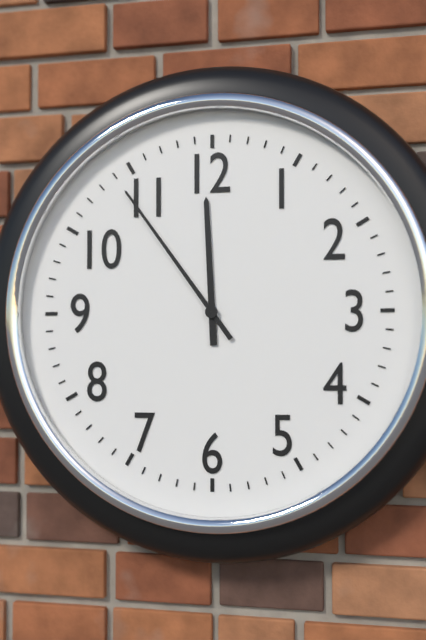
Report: {"hour": 11, "minute": 54}
